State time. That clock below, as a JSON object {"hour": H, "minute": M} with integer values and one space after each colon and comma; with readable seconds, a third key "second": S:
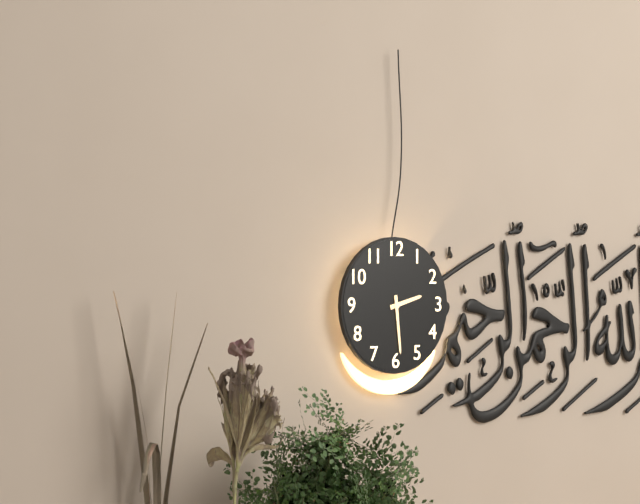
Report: {"hour": 2, "minute": 29}
